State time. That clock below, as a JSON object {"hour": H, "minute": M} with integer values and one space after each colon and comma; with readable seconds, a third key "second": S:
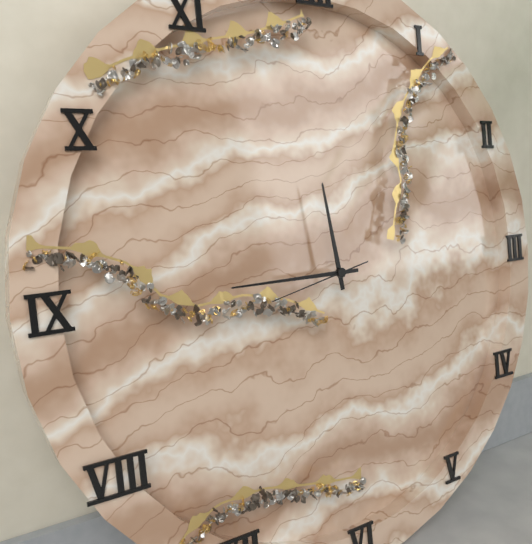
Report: {"hour": 11, "minute": 45, "second": 43}
